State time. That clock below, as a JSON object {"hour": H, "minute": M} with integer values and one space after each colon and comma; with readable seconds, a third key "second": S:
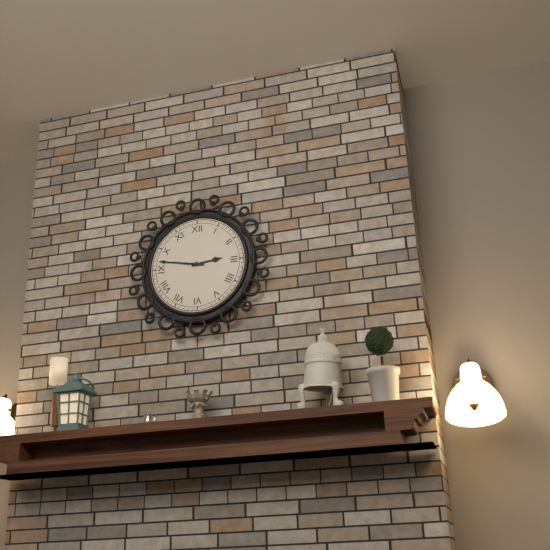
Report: {"hour": 2, "minute": 47}
